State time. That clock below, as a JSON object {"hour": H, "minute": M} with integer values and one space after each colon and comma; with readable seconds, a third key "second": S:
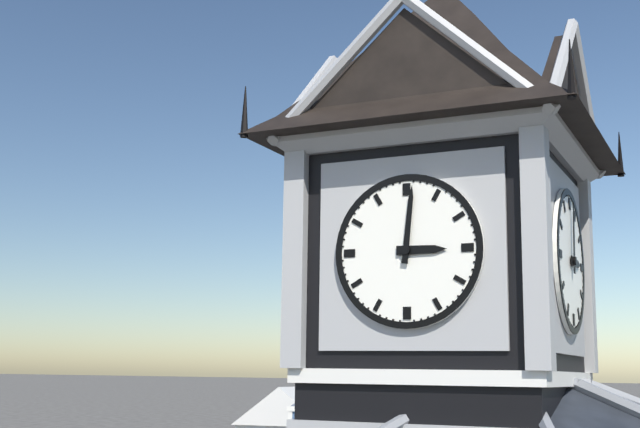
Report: {"hour": 3, "minute": 1}
